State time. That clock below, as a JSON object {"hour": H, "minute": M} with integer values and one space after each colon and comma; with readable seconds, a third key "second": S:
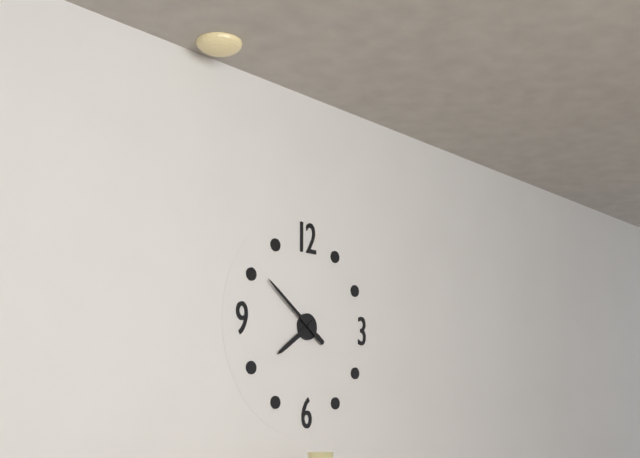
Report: {"hour": 7, "minute": 51}
